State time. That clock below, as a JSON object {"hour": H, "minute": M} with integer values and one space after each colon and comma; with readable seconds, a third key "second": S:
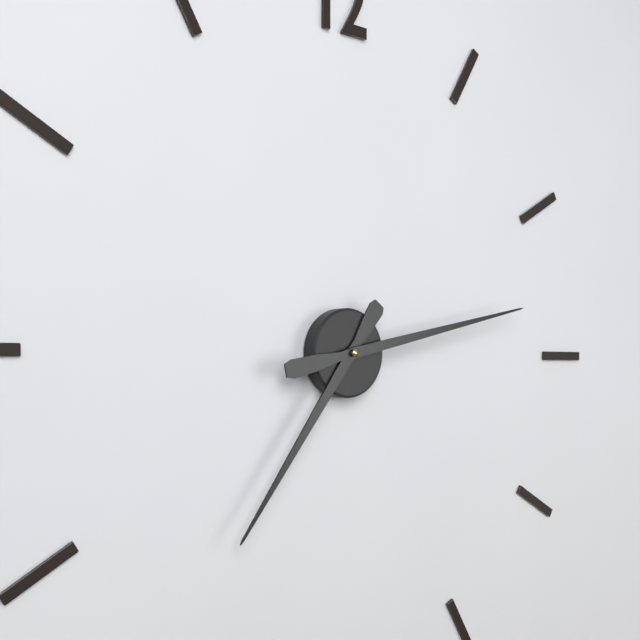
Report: {"hour": 7, "minute": 13}
